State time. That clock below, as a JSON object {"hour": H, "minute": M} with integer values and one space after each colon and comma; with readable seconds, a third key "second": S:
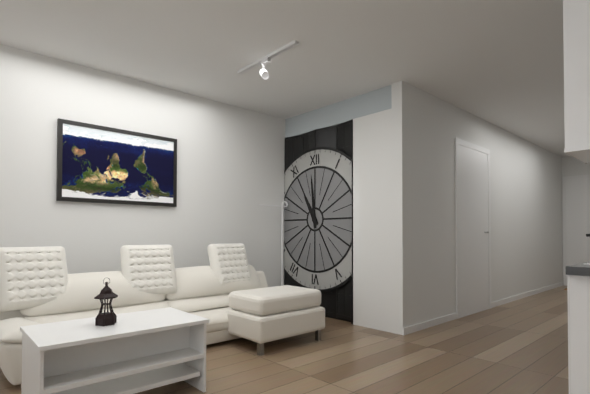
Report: {"hour": 10, "minute": 59}
